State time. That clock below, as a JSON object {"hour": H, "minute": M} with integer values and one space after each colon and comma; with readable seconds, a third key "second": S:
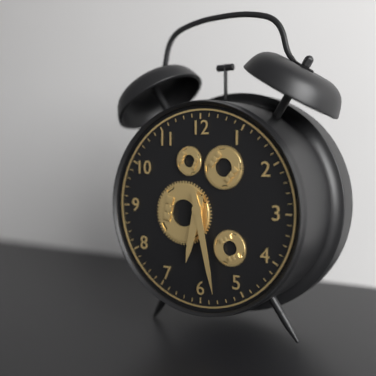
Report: {"hour": 6, "minute": 28}
